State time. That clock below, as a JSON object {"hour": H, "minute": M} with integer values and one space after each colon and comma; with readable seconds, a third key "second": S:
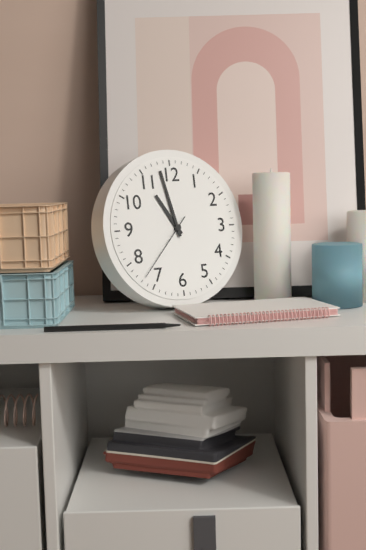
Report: {"hour": 10, "minute": 58, "second": 37}
